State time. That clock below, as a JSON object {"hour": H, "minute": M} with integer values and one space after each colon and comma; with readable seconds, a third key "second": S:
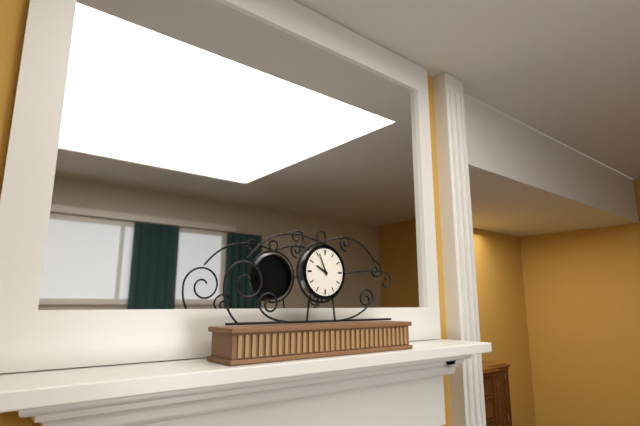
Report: {"hour": 9, "minute": 56}
